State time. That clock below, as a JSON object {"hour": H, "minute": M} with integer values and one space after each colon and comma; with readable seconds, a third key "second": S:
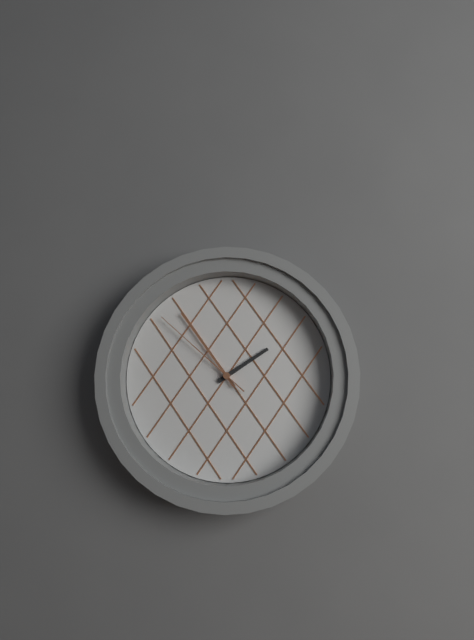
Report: {"hour": 1, "minute": 54, "second": 52}
